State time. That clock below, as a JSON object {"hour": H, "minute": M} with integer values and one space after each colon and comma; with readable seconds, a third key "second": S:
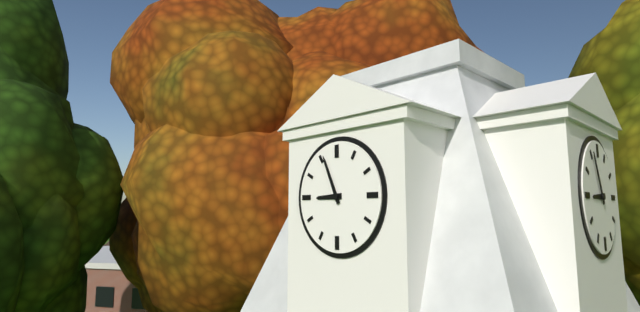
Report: {"hour": 8, "minute": 56}
